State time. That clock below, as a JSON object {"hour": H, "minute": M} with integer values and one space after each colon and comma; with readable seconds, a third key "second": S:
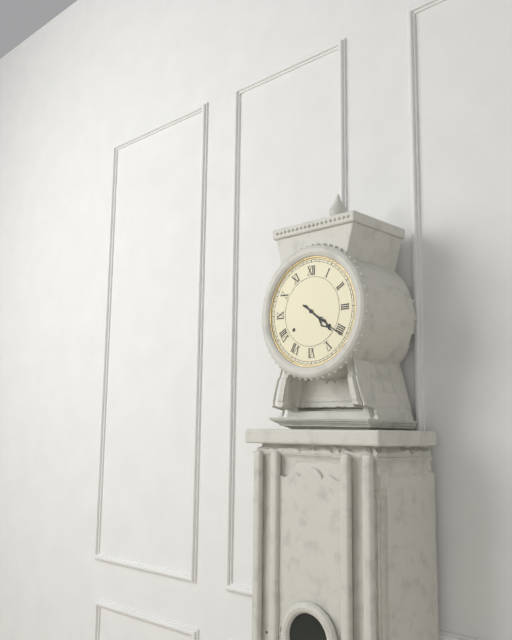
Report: {"hour": 4, "minute": 21}
